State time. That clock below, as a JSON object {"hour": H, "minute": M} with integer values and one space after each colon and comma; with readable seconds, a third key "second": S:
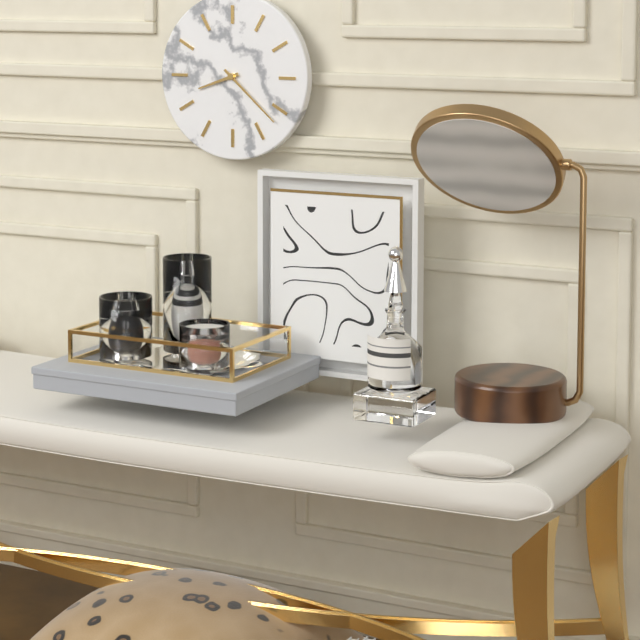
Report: {"hour": 8, "minute": 22}
